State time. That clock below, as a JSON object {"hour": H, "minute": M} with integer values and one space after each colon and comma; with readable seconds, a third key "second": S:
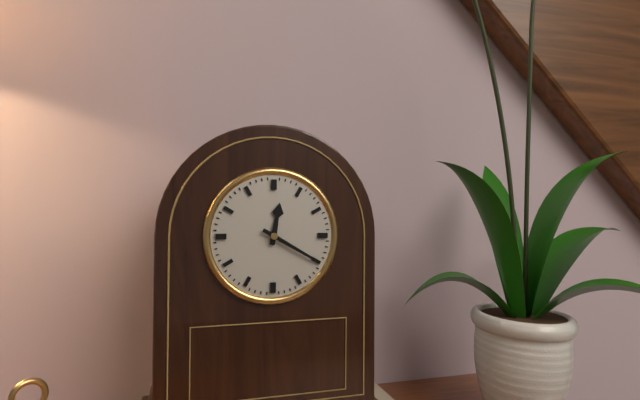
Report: {"hour": 12, "minute": 20}
